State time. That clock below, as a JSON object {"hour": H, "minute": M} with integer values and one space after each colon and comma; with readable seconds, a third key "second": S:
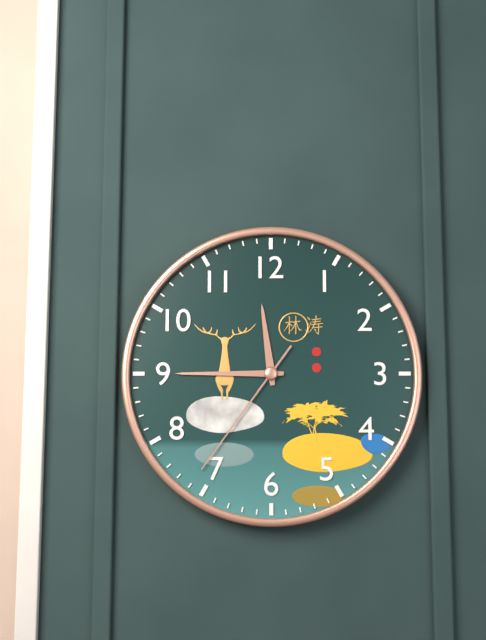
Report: {"hour": 11, "minute": 45, "second": 36}
